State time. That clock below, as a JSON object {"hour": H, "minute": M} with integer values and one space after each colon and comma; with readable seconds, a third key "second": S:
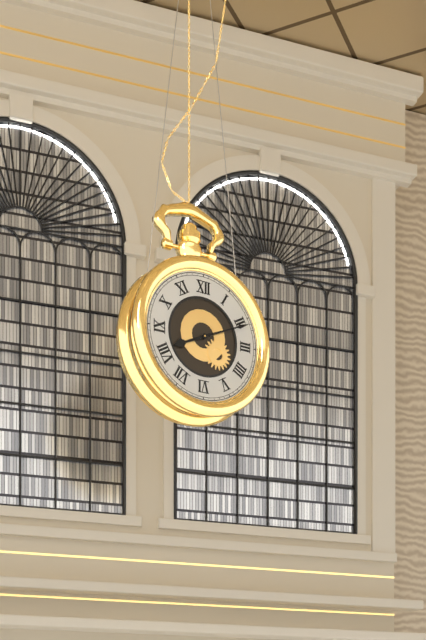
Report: {"hour": 8, "minute": 11}
